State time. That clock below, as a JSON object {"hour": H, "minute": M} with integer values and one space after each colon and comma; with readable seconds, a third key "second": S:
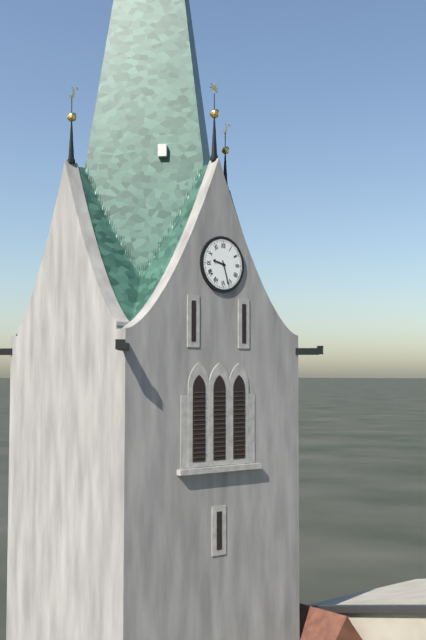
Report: {"hour": 9, "minute": 27}
